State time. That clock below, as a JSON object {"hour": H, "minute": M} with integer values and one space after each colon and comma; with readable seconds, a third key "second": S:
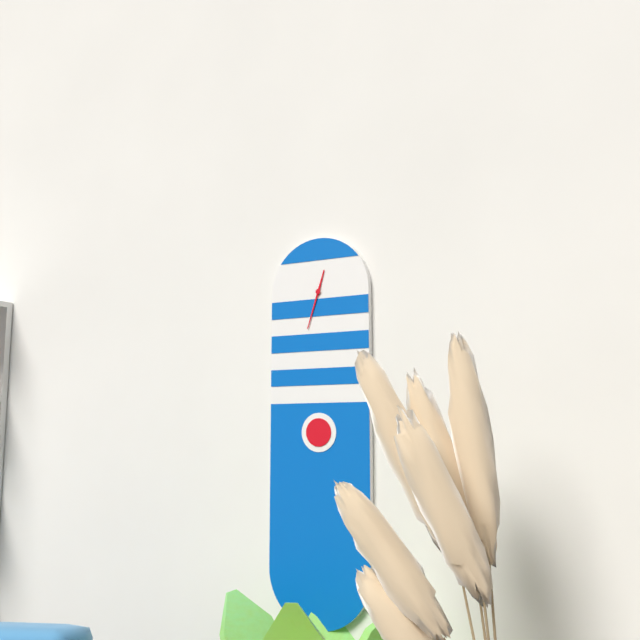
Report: {"hour": 12, "minute": 33}
